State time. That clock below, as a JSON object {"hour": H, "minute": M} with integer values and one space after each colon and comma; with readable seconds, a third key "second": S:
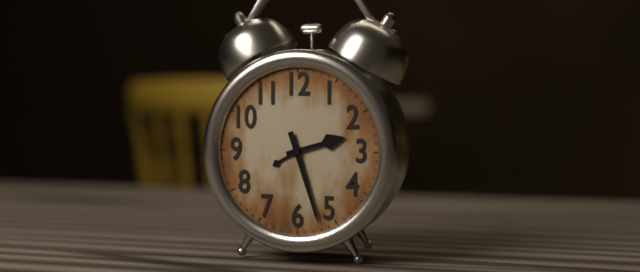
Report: {"hour": 2, "minute": 27}
